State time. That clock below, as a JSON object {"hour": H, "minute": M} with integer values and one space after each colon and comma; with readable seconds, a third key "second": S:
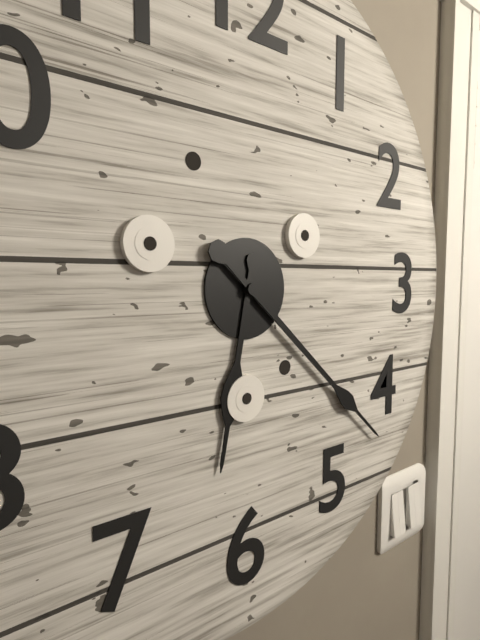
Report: {"hour": 6, "minute": 22}
